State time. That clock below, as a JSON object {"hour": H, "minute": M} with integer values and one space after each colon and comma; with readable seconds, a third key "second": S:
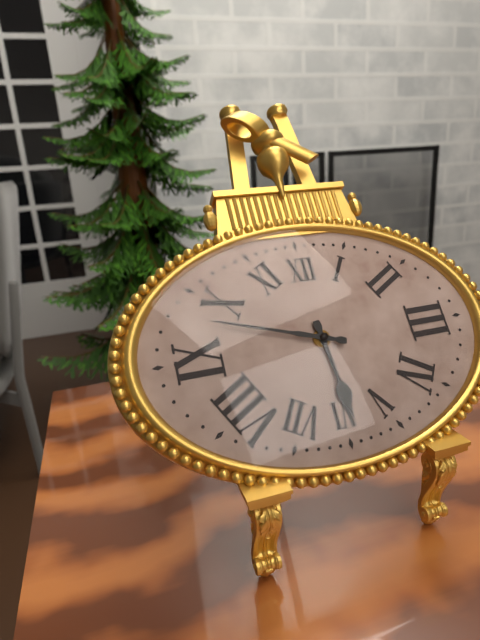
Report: {"hour": 5, "minute": 48}
